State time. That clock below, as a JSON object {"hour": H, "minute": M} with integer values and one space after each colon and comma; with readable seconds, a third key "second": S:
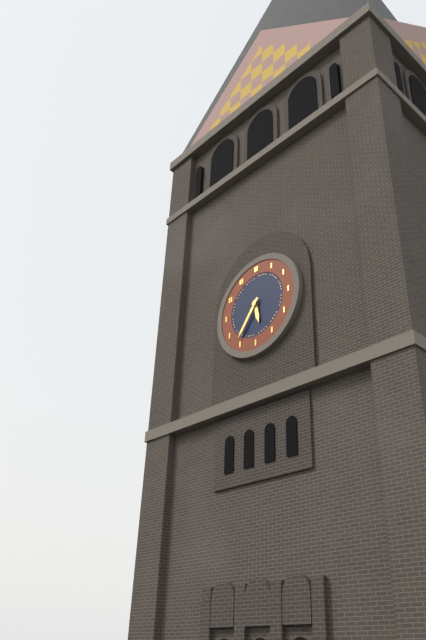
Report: {"hour": 5, "minute": 36}
